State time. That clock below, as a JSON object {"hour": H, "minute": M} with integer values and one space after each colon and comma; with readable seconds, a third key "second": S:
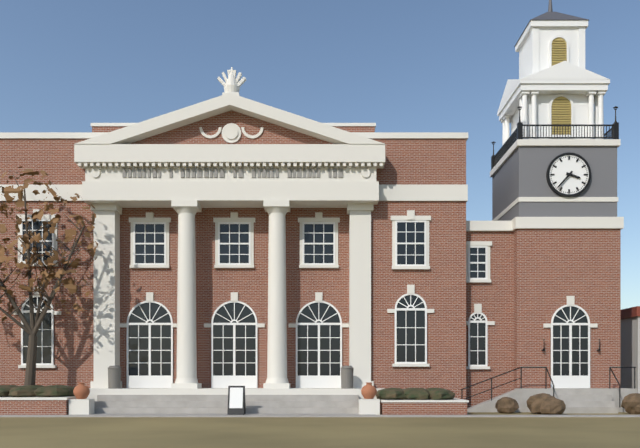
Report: {"hour": 3, "minute": 37}
